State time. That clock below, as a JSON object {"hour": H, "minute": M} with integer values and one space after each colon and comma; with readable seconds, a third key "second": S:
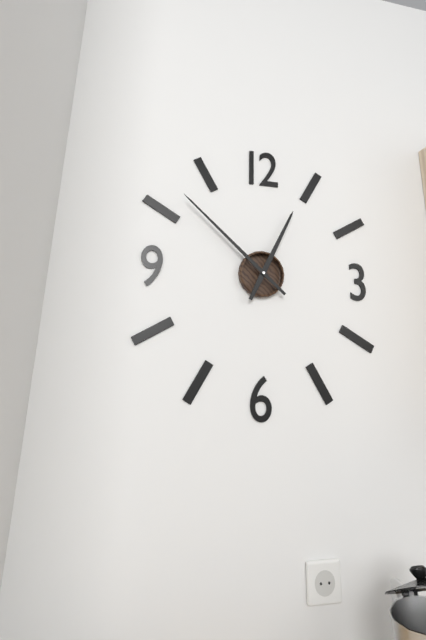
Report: {"hour": 12, "minute": 52}
